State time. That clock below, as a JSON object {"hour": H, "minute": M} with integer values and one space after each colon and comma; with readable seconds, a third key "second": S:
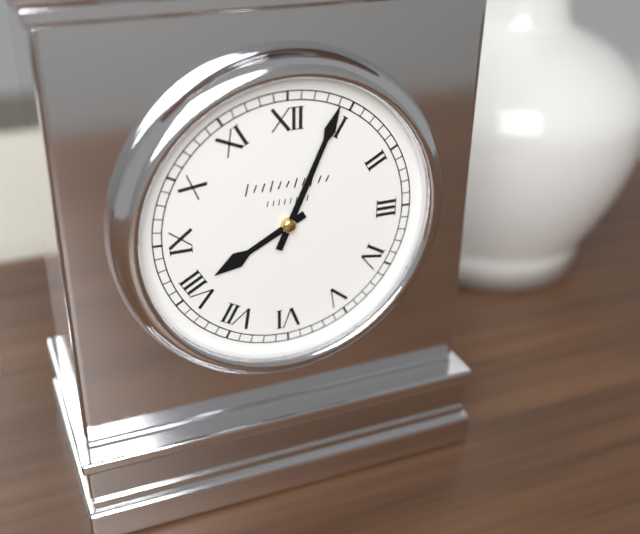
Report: {"hour": 8, "minute": 4}
